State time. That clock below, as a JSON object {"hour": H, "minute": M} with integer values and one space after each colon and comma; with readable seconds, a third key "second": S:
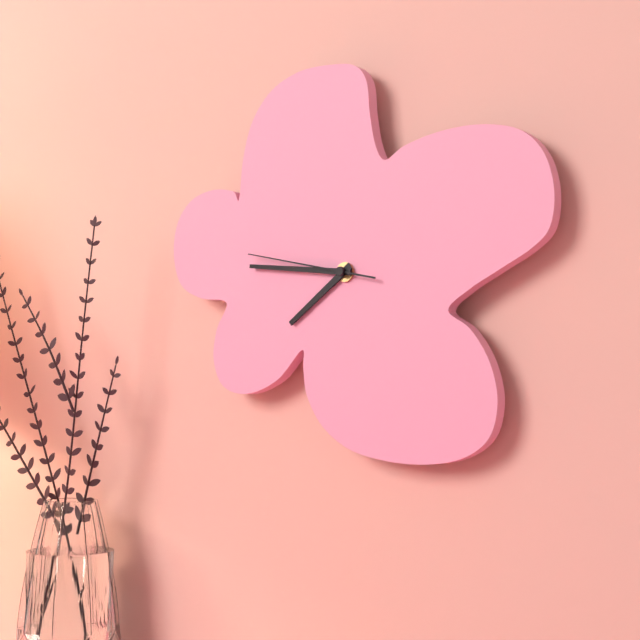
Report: {"hour": 7, "minute": 46, "second": 47}
